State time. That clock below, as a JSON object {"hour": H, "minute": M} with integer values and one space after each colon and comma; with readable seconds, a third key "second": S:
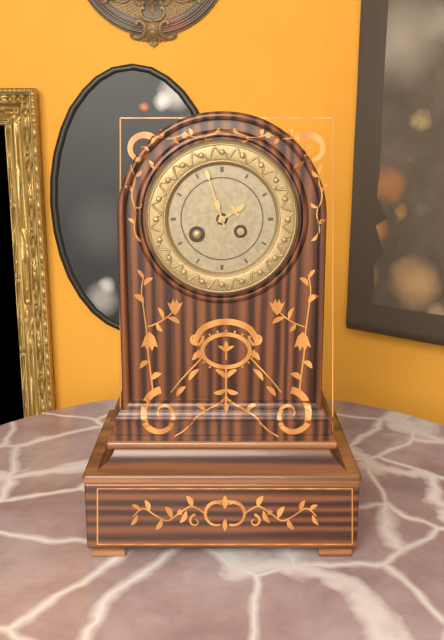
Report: {"hour": 1, "minute": 57}
